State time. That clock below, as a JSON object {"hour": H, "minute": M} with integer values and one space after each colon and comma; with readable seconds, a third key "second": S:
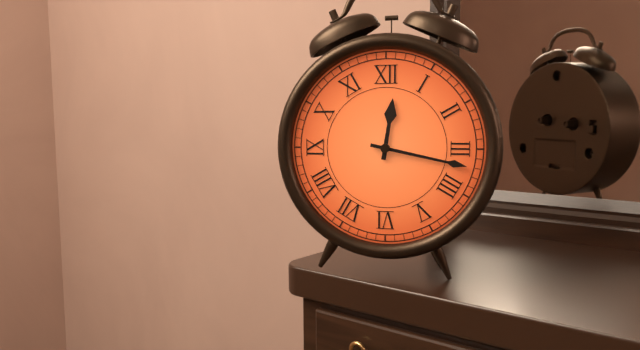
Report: {"hour": 12, "minute": 17}
